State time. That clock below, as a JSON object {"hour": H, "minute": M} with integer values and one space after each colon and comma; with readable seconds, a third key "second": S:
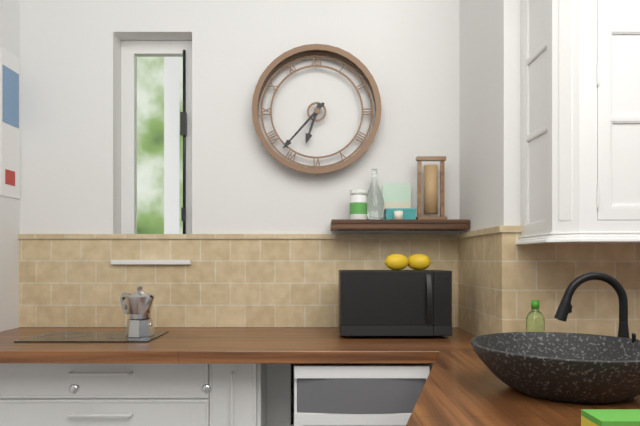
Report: {"hour": 6, "minute": 37}
